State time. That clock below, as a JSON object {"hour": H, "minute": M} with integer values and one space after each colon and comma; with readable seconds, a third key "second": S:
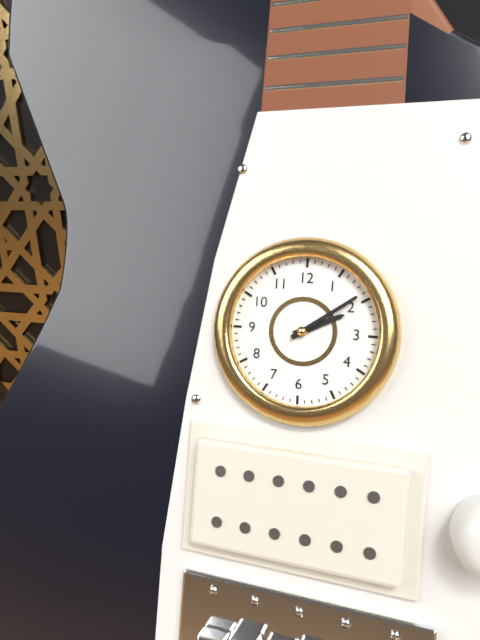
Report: {"hour": 2, "minute": 9}
